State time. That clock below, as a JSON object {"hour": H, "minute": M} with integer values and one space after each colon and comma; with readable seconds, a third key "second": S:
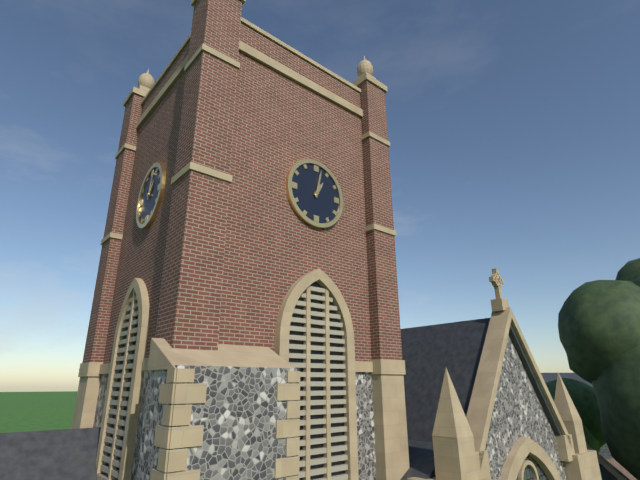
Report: {"hour": 1, "minute": 2}
